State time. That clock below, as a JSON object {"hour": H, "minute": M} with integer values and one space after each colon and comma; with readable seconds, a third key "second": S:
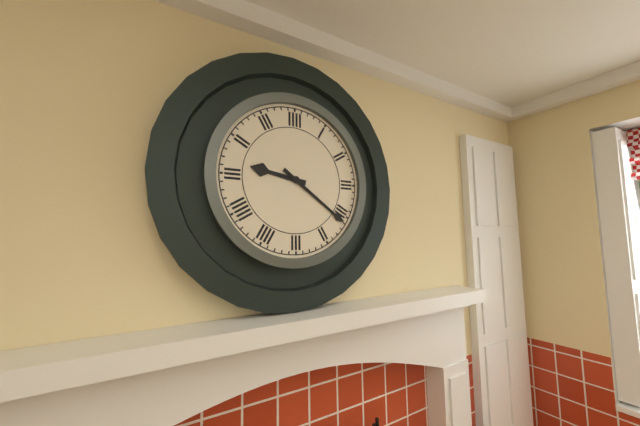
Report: {"hour": 9, "minute": 21}
